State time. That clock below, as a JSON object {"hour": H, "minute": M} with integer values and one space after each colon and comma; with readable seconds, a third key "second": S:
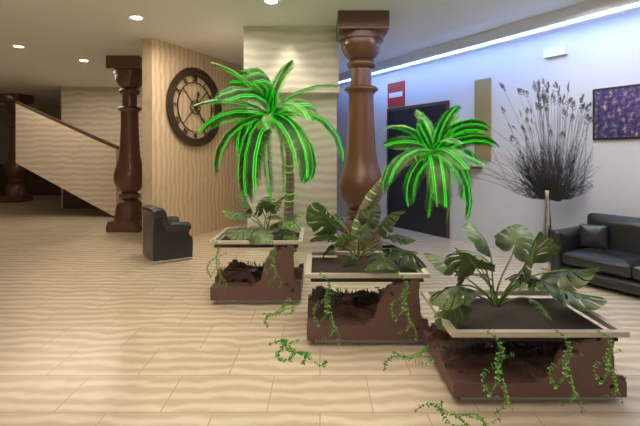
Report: {"hour": 12, "minute": 24}
